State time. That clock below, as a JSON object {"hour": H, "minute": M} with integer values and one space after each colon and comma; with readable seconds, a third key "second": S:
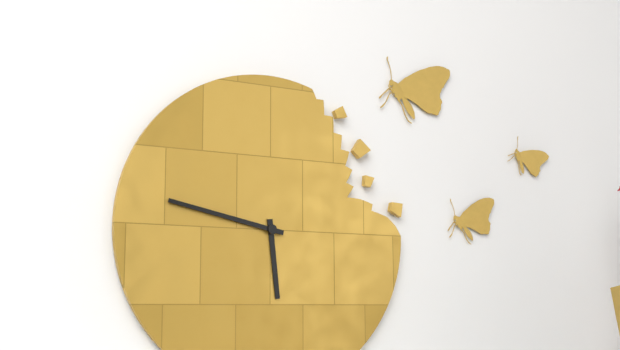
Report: {"hour": 5, "minute": 47}
